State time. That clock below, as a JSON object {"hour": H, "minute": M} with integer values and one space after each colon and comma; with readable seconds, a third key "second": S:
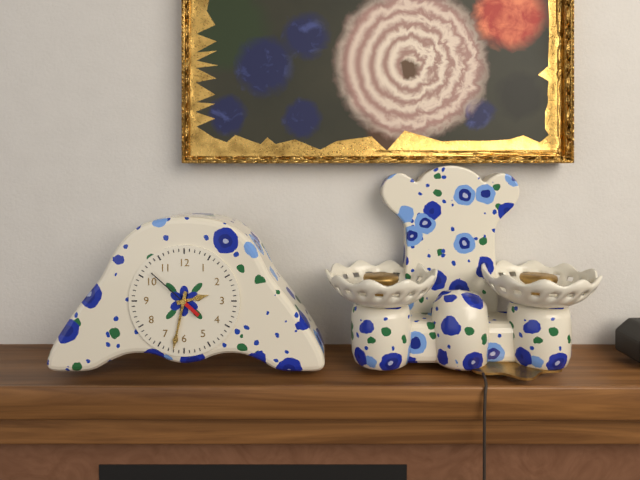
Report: {"hour": 2, "minute": 32, "second": 52}
